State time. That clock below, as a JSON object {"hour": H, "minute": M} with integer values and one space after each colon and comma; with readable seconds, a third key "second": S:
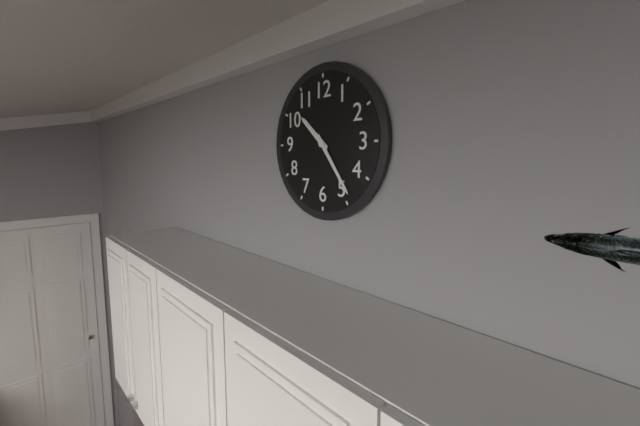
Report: {"hour": 10, "minute": 24}
